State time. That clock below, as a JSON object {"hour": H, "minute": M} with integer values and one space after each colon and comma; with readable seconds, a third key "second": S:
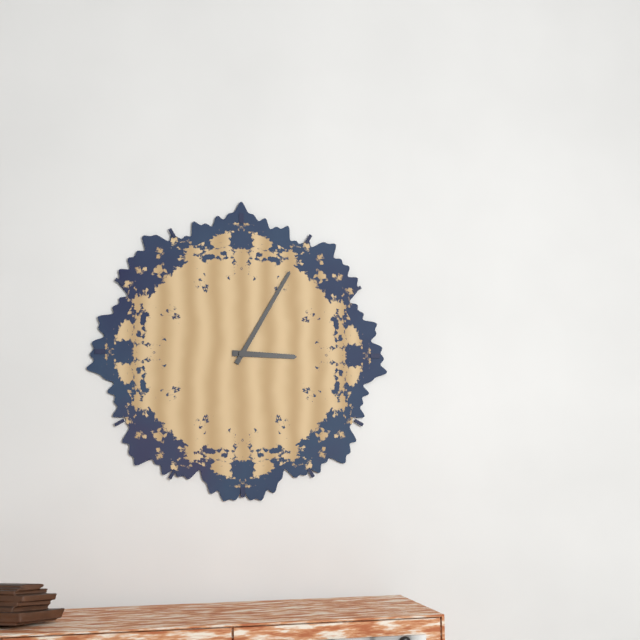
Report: {"hour": 3, "minute": 5}
